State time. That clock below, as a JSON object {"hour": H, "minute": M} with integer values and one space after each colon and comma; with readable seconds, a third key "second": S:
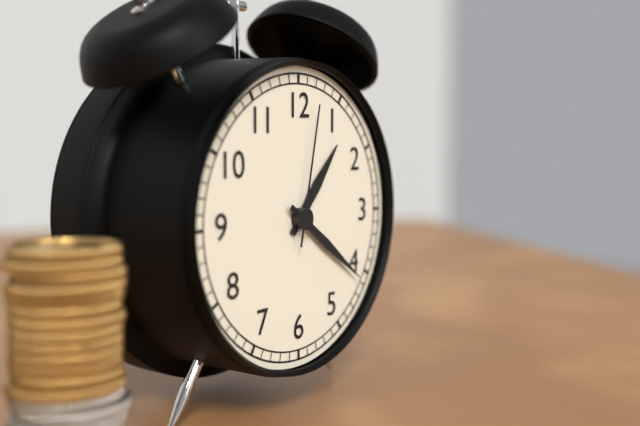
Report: {"hour": 1, "minute": 21, "second": 2}
